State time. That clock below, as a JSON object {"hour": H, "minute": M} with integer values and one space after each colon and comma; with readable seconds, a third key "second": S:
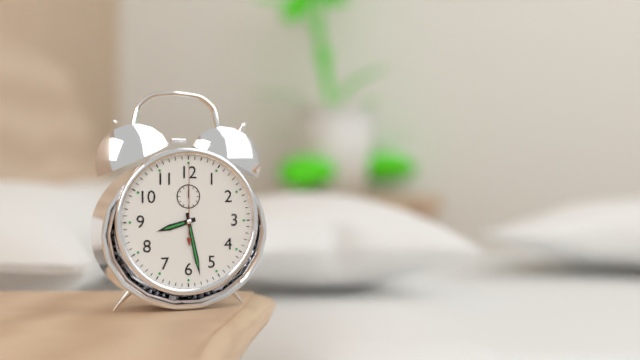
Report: {"hour": 8, "minute": 28, "second": 0}
